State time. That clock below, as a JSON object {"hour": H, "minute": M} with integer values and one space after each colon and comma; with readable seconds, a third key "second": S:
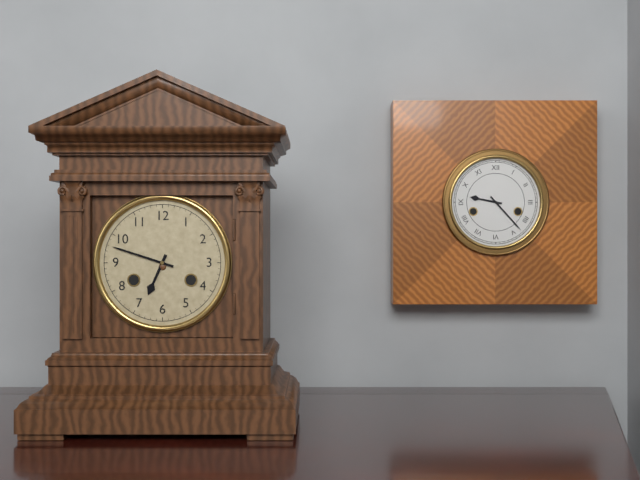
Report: {"hour": 6, "minute": 48}
